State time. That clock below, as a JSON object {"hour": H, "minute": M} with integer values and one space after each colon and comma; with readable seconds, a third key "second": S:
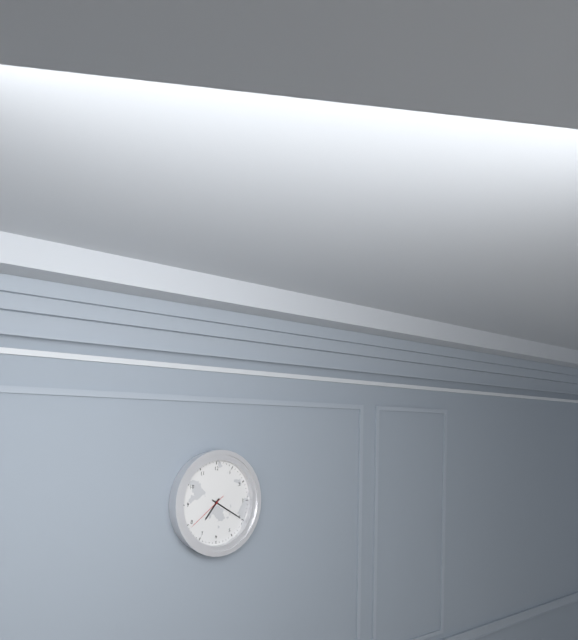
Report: {"hour": 7, "minute": 20}
